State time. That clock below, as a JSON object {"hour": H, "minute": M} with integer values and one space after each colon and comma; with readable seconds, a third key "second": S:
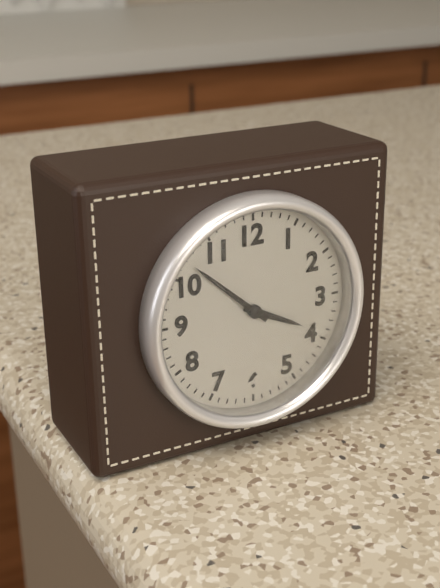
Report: {"hour": 3, "minute": 52}
